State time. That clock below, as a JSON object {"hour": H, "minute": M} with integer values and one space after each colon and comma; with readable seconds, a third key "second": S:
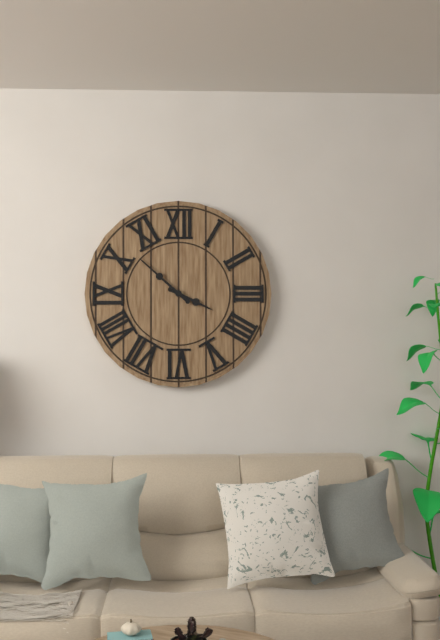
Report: {"hour": 3, "minute": 52}
